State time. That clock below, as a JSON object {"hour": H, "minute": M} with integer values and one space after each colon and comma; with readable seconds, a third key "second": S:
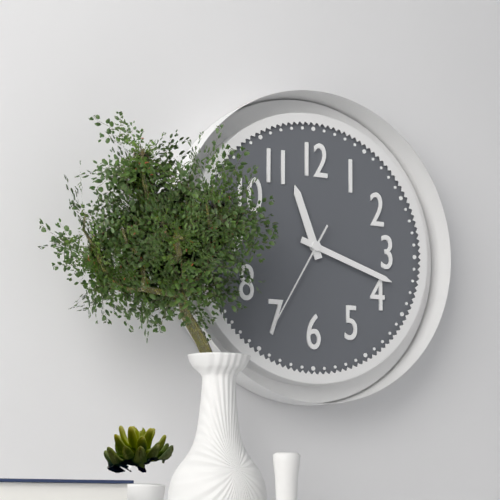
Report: {"hour": 11, "minute": 18, "second": 35}
